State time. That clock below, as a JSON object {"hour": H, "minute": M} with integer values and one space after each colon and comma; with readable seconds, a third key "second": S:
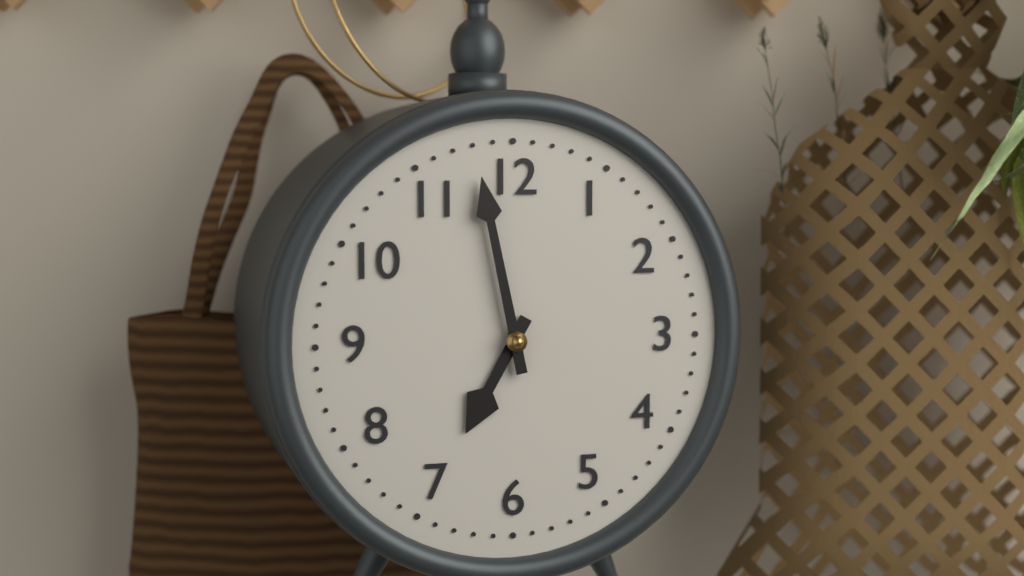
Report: {"hour": 6, "minute": 58}
